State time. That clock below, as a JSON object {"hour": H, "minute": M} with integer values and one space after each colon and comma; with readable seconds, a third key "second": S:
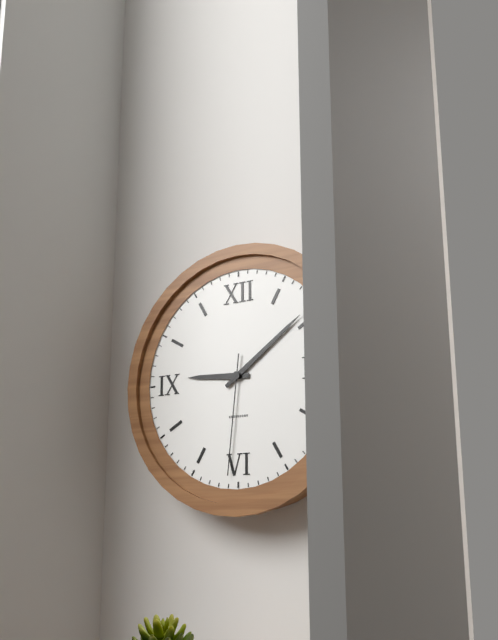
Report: {"hour": 9, "minute": 9, "second": 31}
